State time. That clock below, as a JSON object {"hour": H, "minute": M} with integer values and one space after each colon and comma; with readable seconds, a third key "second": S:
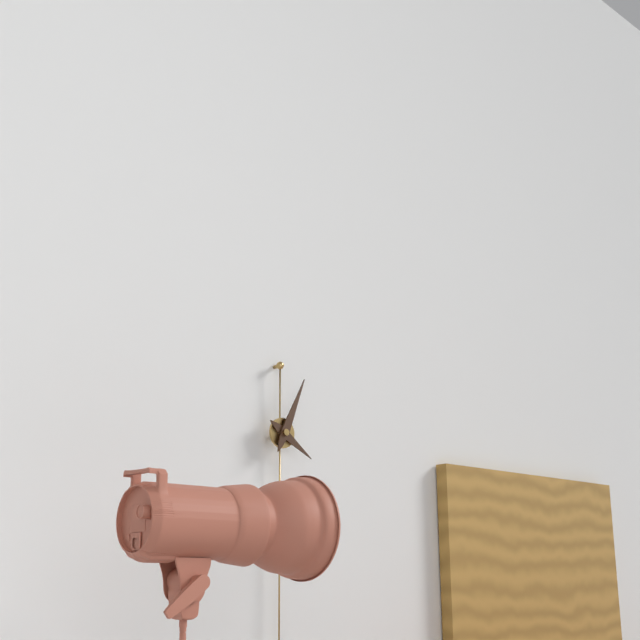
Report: {"hour": 4, "minute": 4}
